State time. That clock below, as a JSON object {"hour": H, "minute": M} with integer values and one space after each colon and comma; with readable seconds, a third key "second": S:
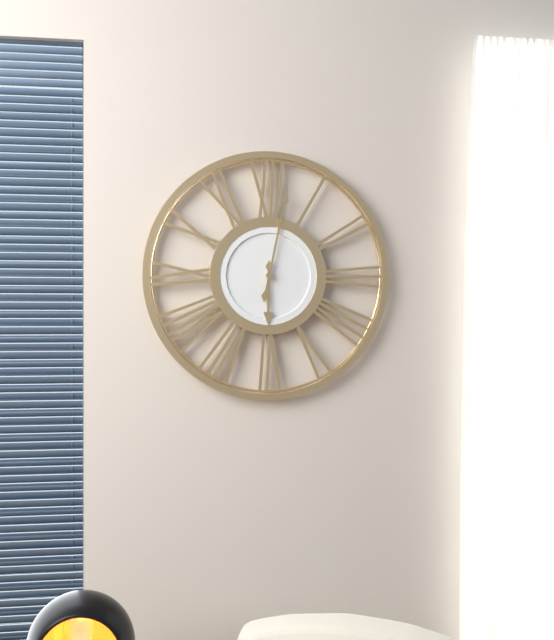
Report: {"hour": 6, "minute": 2}
